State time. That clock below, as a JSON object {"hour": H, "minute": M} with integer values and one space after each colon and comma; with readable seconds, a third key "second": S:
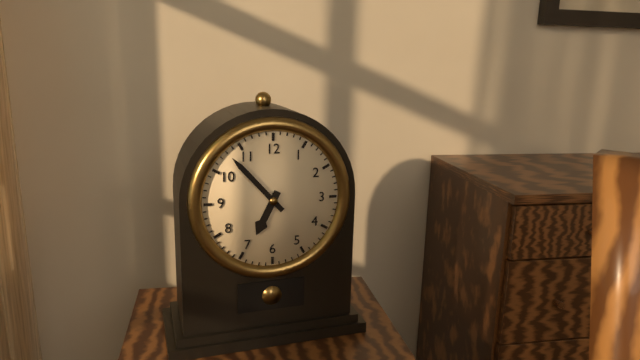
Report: {"hour": 6, "minute": 53}
